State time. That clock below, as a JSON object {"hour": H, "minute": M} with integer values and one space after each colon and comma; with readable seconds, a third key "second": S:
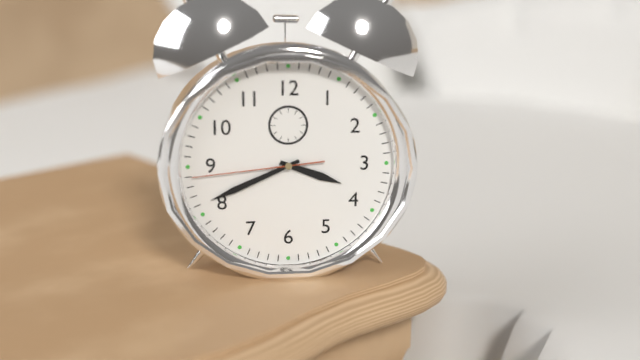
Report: {"hour": 3, "minute": 41, "second": 44}
